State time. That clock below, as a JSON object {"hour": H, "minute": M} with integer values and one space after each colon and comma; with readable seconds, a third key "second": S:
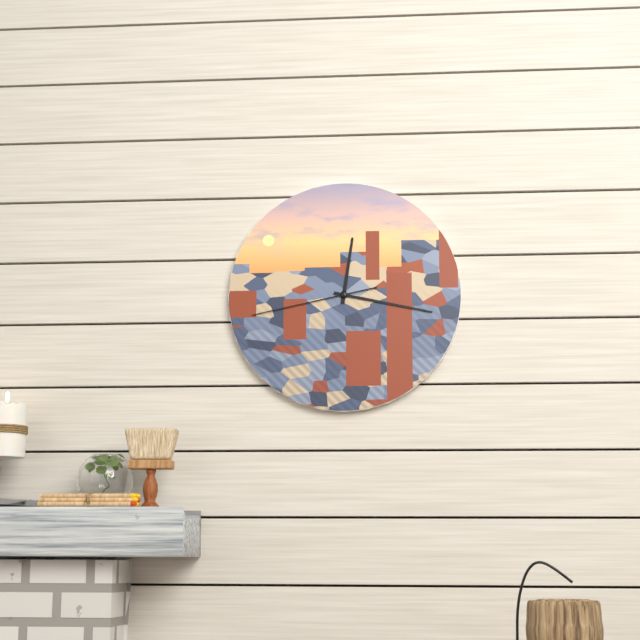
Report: {"hour": 12, "minute": 17, "second": 43}
